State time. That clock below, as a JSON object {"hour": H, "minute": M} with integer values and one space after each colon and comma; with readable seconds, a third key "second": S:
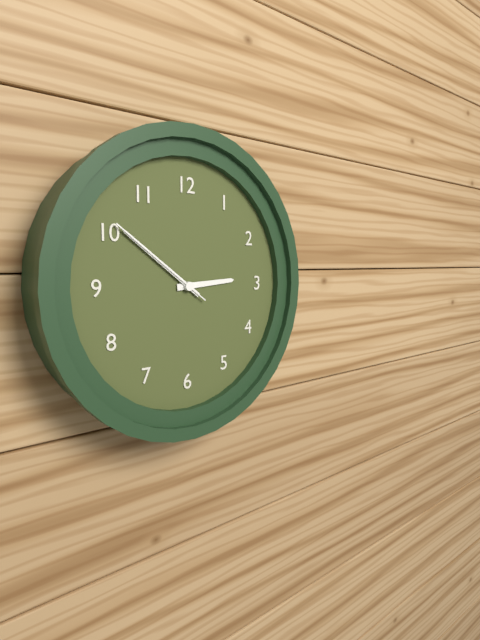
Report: {"hour": 2, "minute": 51, "second": 51}
